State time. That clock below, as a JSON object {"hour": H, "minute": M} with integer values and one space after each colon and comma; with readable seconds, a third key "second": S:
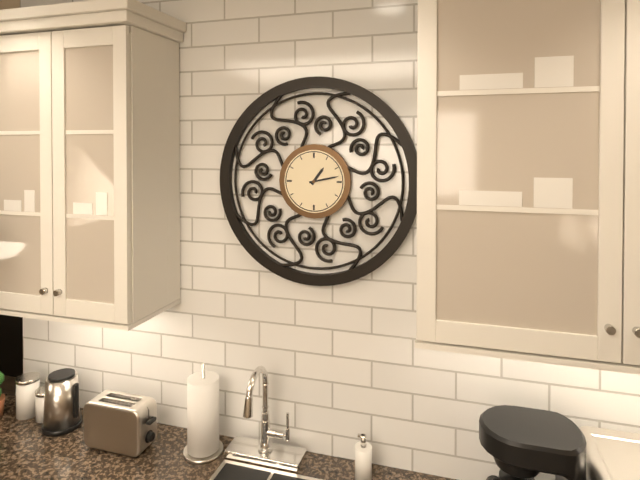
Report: {"hour": 1, "minute": 13}
